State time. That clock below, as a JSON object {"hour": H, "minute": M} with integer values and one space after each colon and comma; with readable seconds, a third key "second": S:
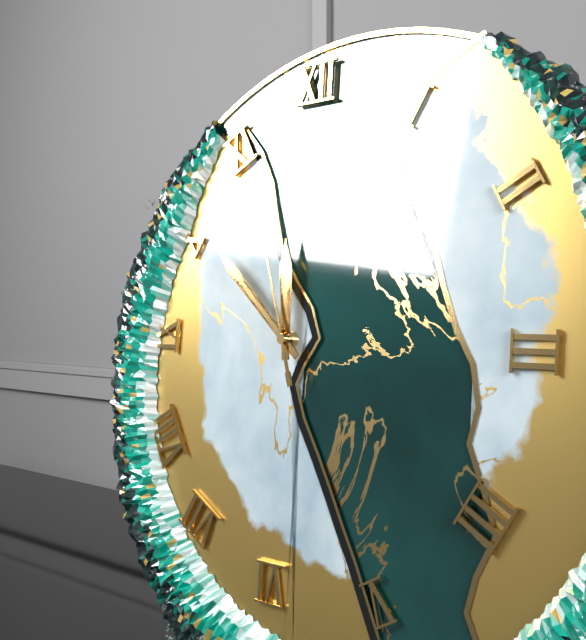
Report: {"hour": 11, "minute": 52, "second": 57}
